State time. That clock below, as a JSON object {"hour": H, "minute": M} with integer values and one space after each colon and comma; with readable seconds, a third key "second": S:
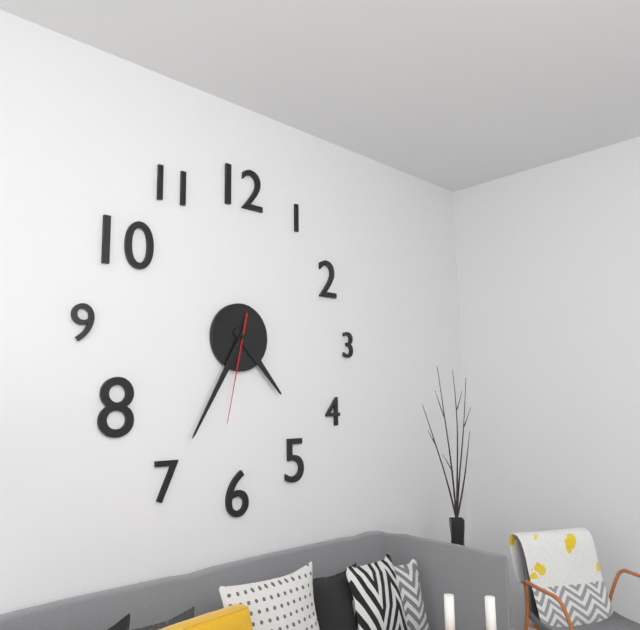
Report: {"hour": 4, "minute": 35, "second": 32}
